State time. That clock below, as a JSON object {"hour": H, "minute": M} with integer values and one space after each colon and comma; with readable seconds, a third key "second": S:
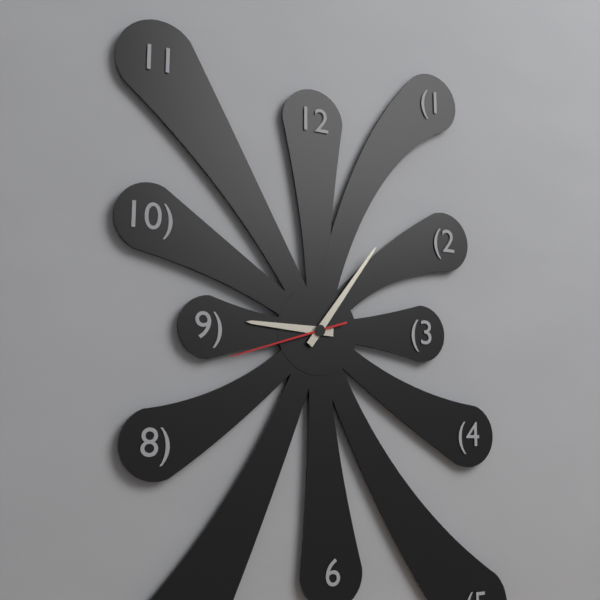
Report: {"hour": 9, "minute": 6, "second": 42}
